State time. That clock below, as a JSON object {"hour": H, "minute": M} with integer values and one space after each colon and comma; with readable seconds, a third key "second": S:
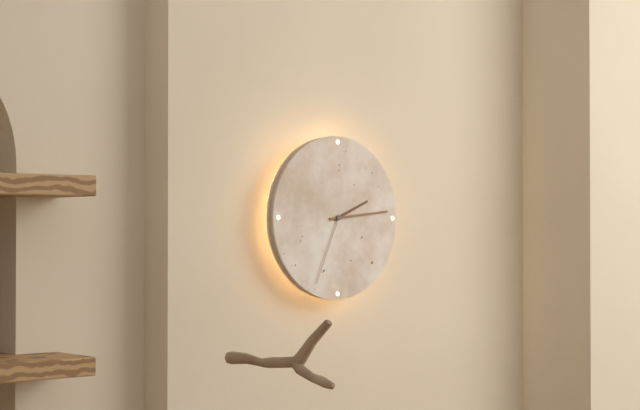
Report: {"hour": 2, "minute": 14, "second": 34}
